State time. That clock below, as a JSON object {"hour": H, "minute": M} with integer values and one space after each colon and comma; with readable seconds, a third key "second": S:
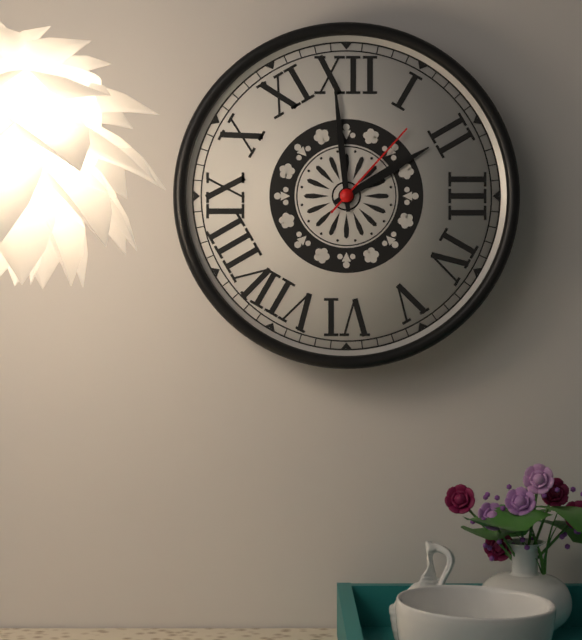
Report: {"hour": 1, "minute": 59, "second": 7}
